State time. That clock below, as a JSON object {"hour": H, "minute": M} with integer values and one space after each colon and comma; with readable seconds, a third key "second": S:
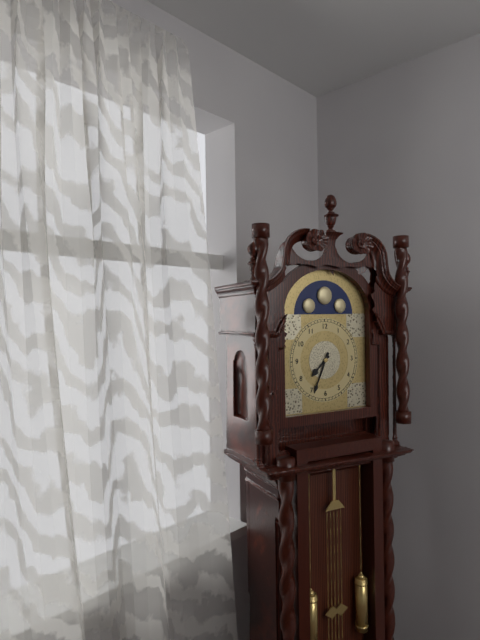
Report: {"hour": 7, "minute": 34}
